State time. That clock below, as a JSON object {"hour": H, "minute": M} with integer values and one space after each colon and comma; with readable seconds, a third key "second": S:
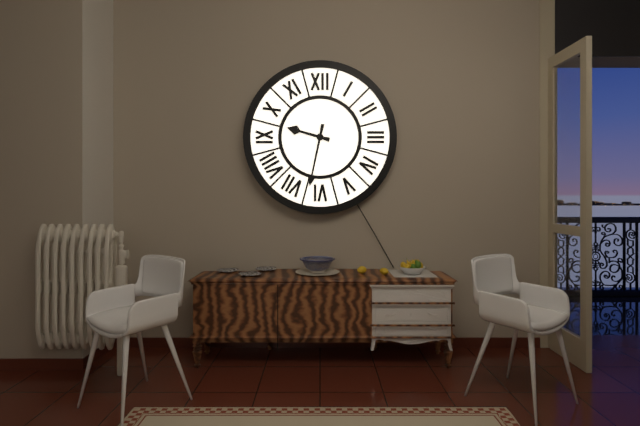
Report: {"hour": 9, "minute": 32}
